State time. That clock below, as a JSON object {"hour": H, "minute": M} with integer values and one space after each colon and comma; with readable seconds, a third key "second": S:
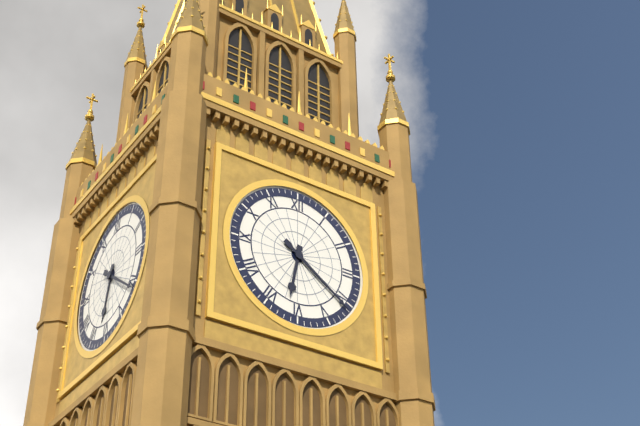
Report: {"hour": 6, "minute": 21}
